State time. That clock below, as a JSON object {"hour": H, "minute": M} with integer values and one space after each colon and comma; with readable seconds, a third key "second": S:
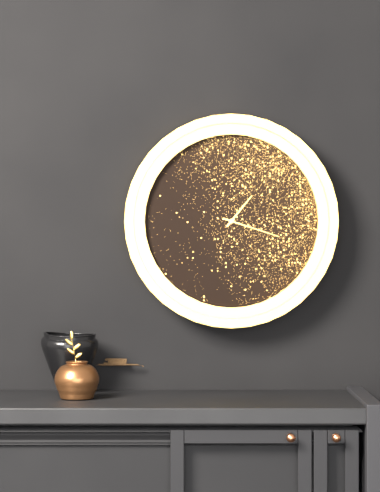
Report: {"hour": 1, "minute": 18}
